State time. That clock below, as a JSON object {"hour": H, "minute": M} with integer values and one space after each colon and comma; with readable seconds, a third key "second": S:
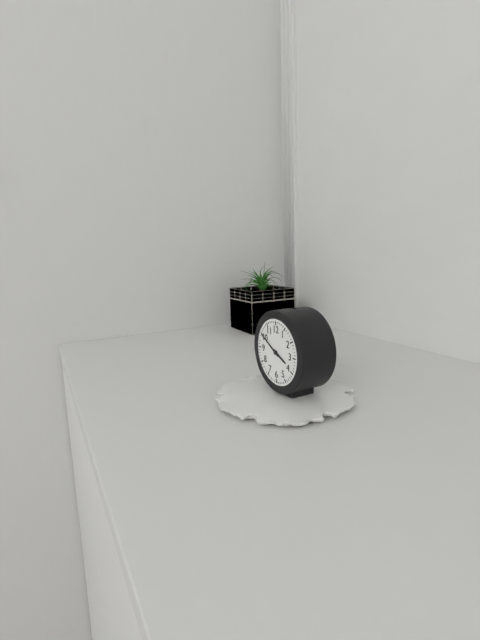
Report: {"hour": 3, "minute": 50}
